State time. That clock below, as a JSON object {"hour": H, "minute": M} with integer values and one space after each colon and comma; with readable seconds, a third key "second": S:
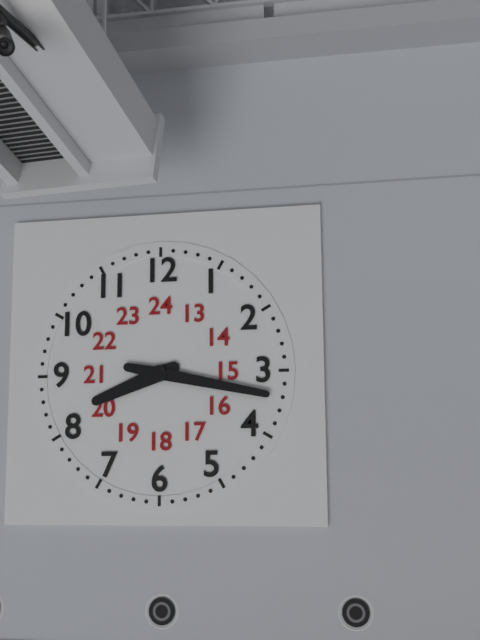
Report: {"hour": 8, "minute": 17}
